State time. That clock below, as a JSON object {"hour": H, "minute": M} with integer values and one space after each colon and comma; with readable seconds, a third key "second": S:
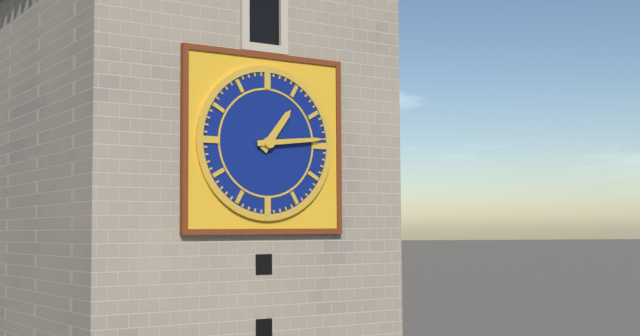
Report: {"hour": 1, "minute": 14}
